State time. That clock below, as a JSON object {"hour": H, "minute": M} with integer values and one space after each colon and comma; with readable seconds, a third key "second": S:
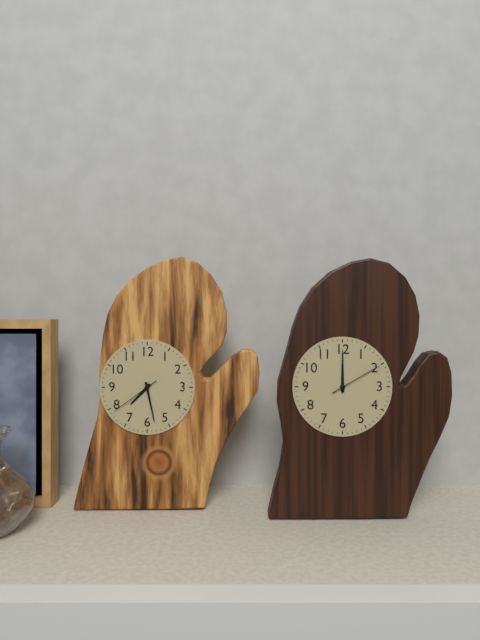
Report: {"hour": 7, "minute": 28, "second": 39}
